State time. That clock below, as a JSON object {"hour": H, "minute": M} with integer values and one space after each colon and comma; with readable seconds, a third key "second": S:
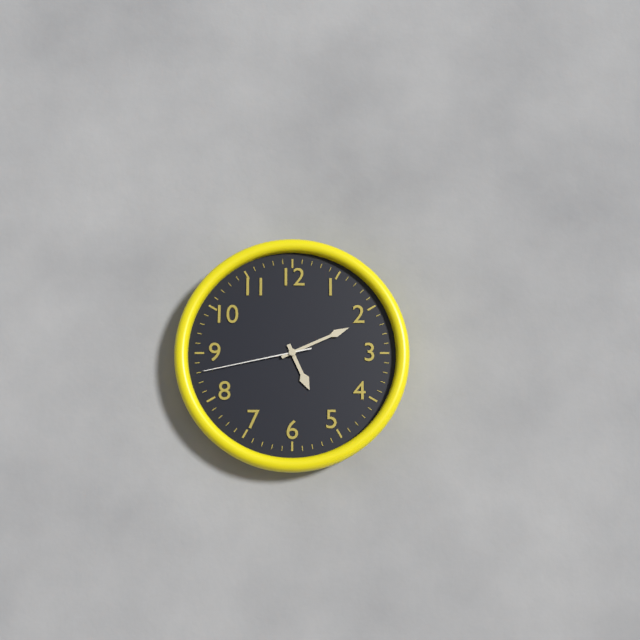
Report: {"hour": 5, "minute": 11, "second": 43}
